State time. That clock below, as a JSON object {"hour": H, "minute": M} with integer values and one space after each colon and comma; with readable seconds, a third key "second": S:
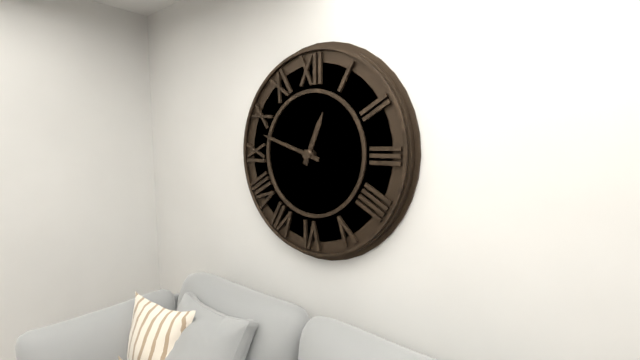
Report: {"hour": 12, "minute": 48}
